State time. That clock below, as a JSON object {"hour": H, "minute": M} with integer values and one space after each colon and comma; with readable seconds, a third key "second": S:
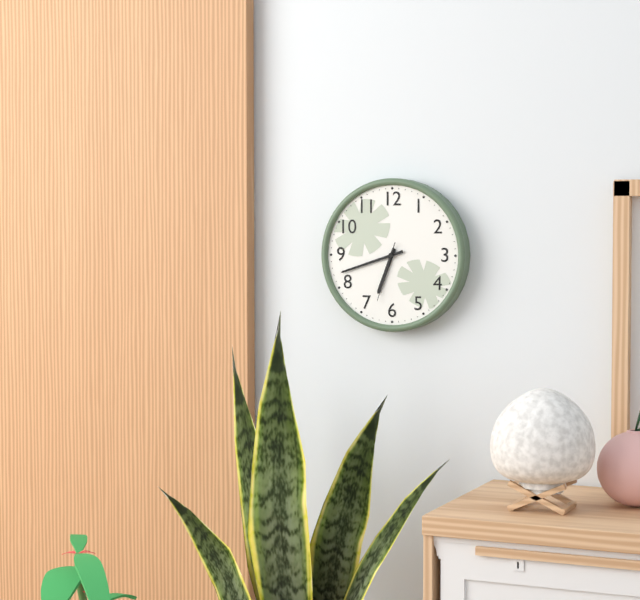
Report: {"hour": 6, "minute": 42, "second": 33}
